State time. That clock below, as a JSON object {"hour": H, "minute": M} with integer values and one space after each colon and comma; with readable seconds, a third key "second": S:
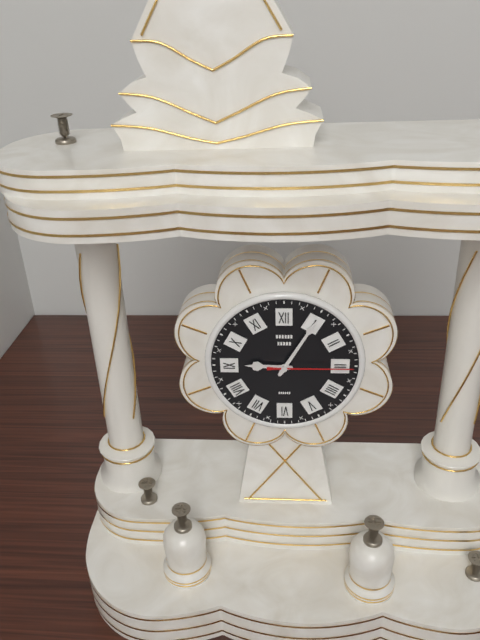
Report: {"hour": 9, "minute": 5, "second": 15}
